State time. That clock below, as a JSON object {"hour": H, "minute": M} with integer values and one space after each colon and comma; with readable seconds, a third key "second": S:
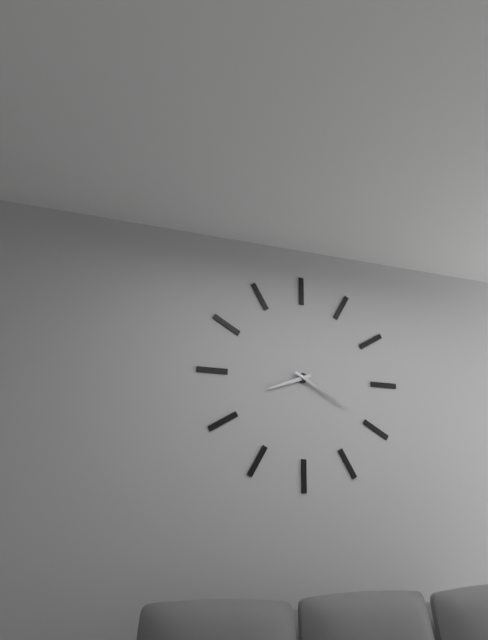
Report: {"hour": 8, "minute": 20}
